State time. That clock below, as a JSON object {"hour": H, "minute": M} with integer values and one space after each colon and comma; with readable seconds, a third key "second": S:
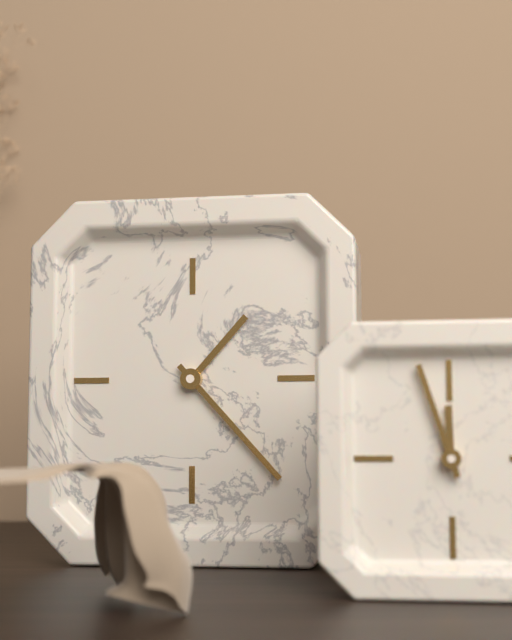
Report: {"hour": 1, "minute": 23}
